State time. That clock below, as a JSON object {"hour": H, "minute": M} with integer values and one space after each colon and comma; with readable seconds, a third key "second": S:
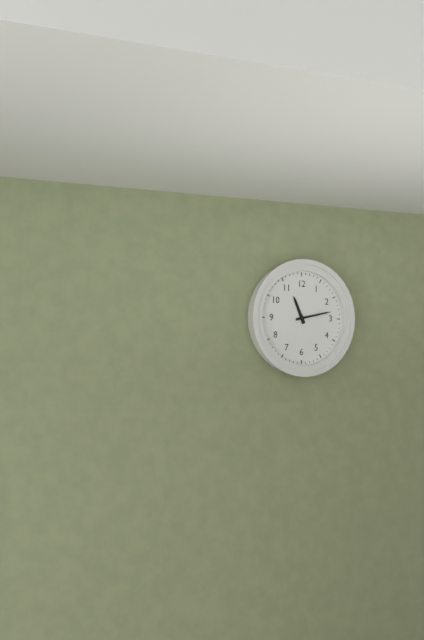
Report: {"hour": 11, "minute": 13}
